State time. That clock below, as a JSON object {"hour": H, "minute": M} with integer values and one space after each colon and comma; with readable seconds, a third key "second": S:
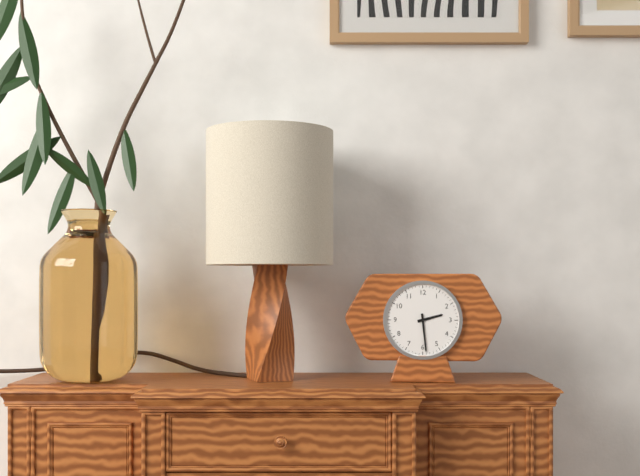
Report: {"hour": 2, "minute": 29}
